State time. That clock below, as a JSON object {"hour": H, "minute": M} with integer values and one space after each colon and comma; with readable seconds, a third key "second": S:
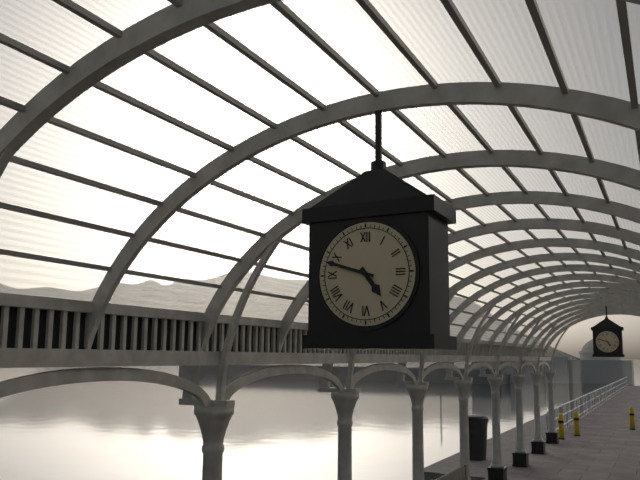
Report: {"hour": 4, "minute": 48}
